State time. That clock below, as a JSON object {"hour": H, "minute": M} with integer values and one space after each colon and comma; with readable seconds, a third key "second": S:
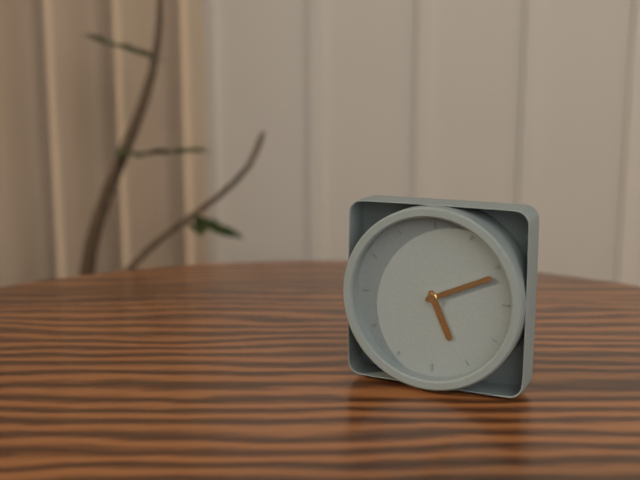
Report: {"hour": 5, "minute": 11}
